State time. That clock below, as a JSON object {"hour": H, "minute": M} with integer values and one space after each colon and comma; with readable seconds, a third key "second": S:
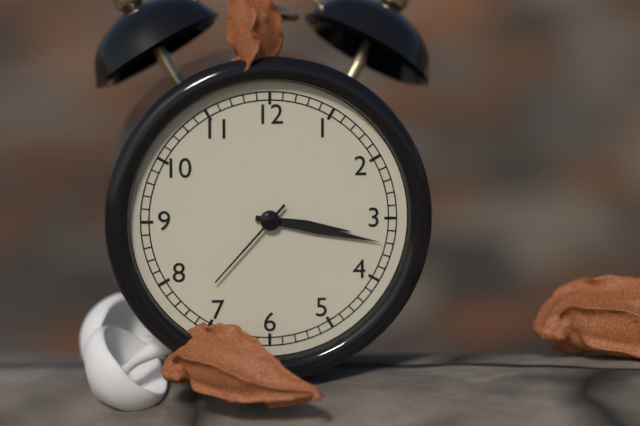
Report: {"hour": 3, "minute": 17, "second": 37}
